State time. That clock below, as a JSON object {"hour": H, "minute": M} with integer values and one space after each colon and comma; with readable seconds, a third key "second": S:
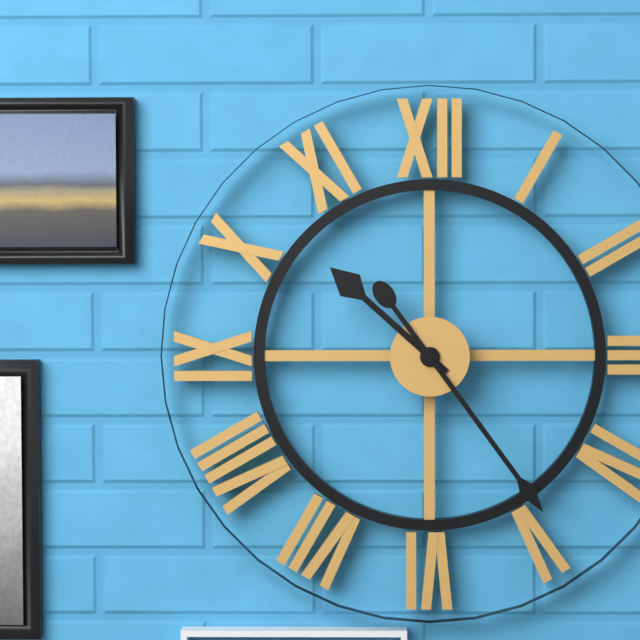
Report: {"hour": 10, "minute": 24}
